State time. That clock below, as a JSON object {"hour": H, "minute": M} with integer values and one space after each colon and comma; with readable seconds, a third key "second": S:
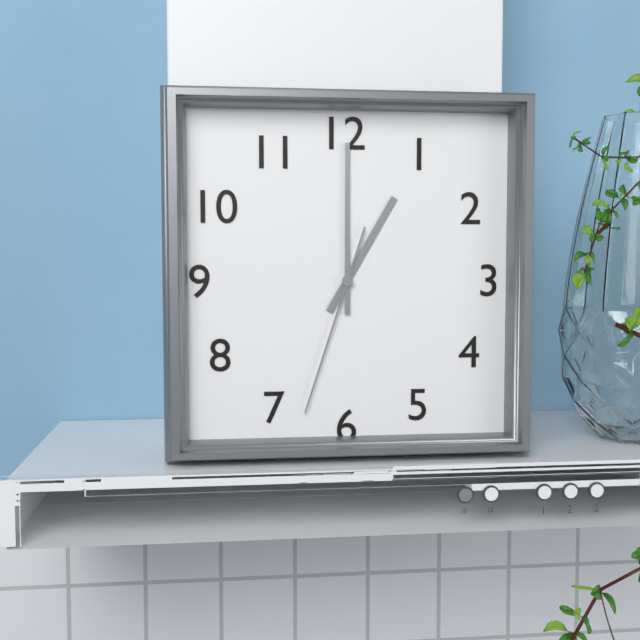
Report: {"hour": 1, "minute": 0, "second": 33}
